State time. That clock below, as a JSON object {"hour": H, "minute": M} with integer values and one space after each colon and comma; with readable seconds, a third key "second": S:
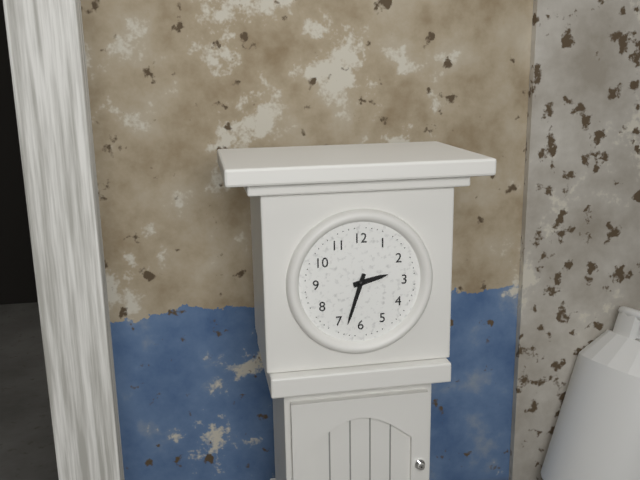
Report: {"hour": 2, "minute": 33}
